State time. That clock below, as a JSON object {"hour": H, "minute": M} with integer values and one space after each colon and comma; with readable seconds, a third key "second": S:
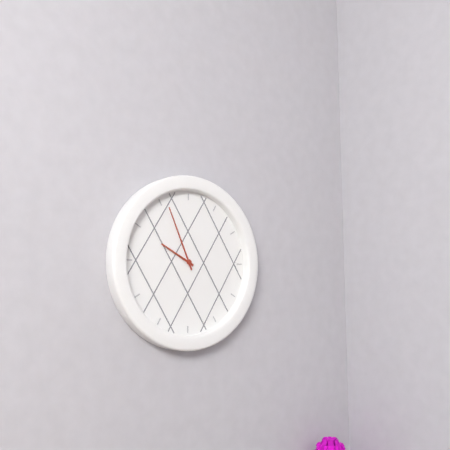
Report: {"hour": 9, "minute": 56}
